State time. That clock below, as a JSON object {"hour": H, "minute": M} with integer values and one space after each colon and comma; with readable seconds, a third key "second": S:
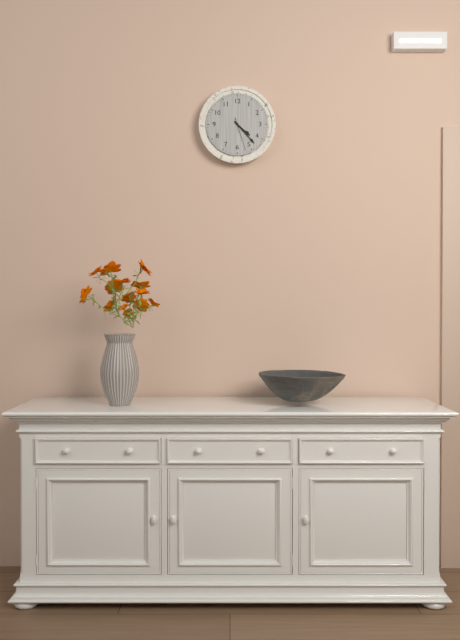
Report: {"hour": 4, "minute": 23}
